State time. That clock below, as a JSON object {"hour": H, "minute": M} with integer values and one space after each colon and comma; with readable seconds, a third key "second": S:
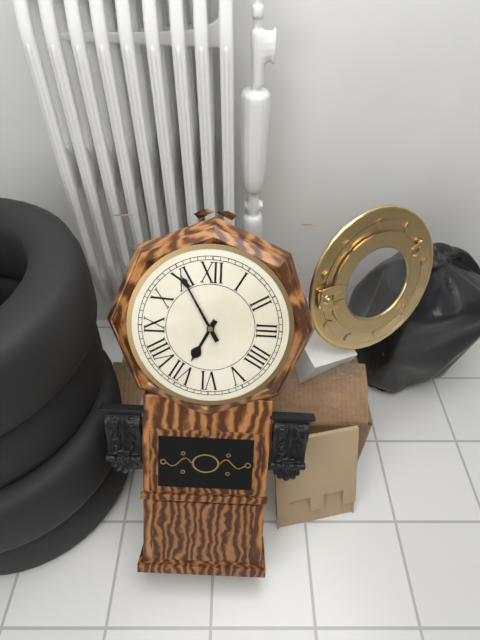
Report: {"hour": 6, "minute": 55}
